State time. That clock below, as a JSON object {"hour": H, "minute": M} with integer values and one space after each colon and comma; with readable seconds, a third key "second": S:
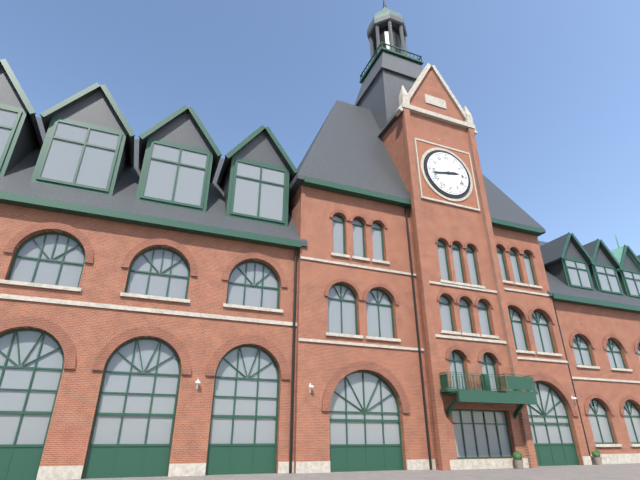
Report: {"hour": 2, "minute": 43}
